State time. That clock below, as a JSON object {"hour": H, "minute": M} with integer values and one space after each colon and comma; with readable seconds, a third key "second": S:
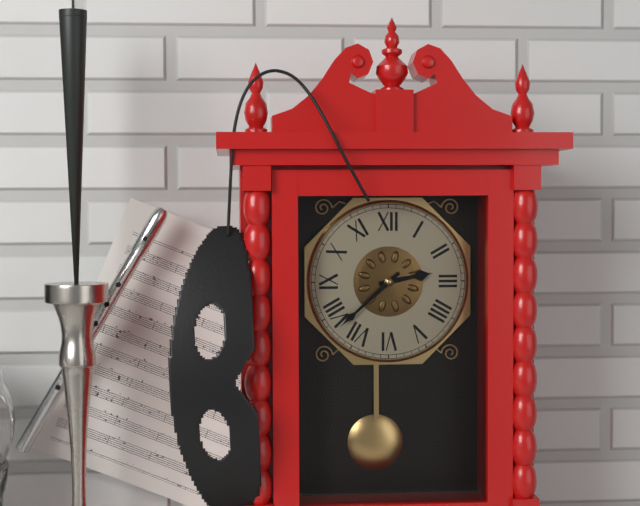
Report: {"hour": 2, "minute": 38}
